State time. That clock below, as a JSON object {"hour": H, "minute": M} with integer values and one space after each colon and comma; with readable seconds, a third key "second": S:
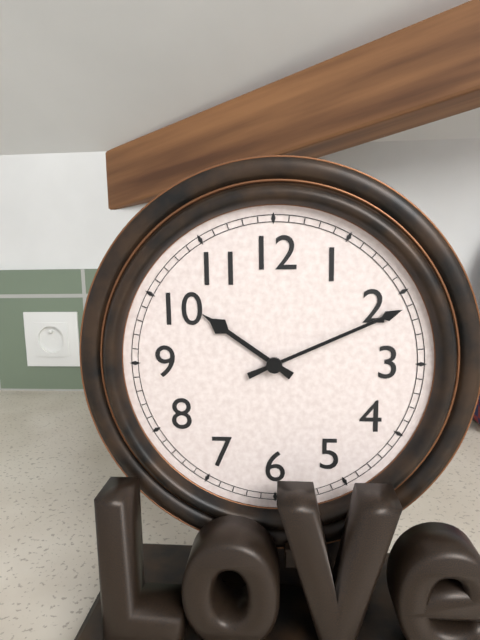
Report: {"hour": 10, "minute": 11}
